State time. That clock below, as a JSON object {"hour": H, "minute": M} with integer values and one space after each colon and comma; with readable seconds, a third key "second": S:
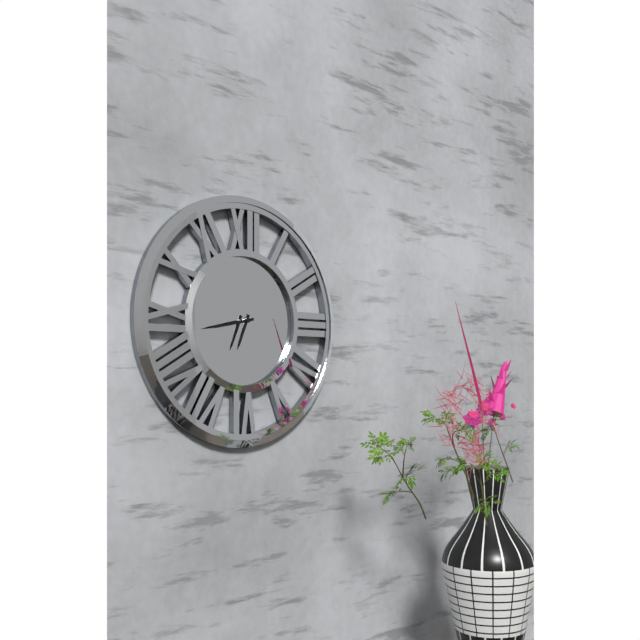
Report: {"hour": 6, "minute": 43}
